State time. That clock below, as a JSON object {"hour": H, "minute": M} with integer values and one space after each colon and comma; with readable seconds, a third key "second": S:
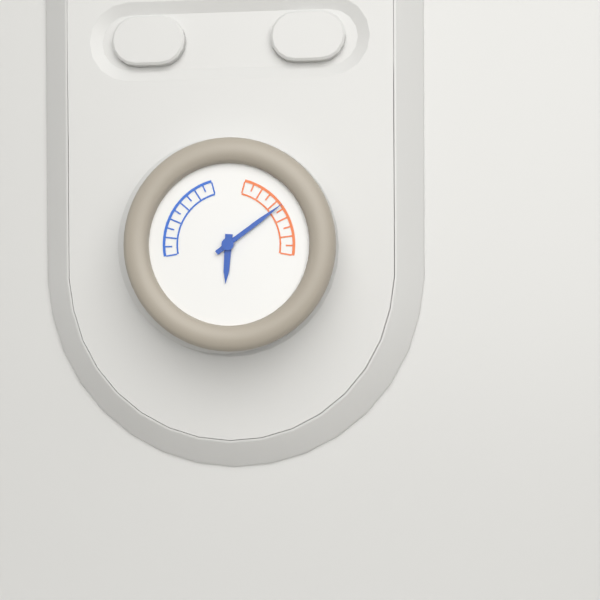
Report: {"hour": 6, "minute": 9}
